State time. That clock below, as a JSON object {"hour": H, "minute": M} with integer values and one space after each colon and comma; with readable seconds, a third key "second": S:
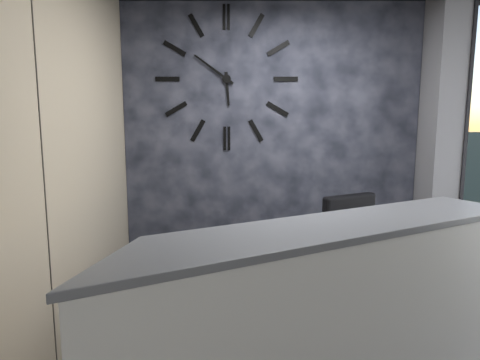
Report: {"hour": 5, "minute": 51}
